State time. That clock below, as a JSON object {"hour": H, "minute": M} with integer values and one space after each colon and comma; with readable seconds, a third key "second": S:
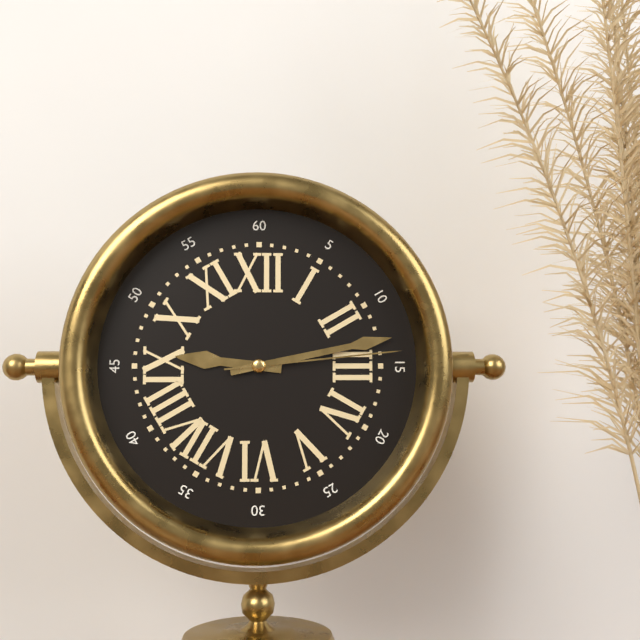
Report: {"hour": 9, "minute": 13, "second": 14}
